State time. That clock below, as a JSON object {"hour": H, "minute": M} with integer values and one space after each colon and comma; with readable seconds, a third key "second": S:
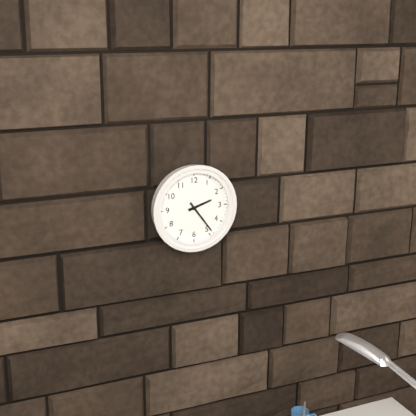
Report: {"hour": 2, "minute": 24}
